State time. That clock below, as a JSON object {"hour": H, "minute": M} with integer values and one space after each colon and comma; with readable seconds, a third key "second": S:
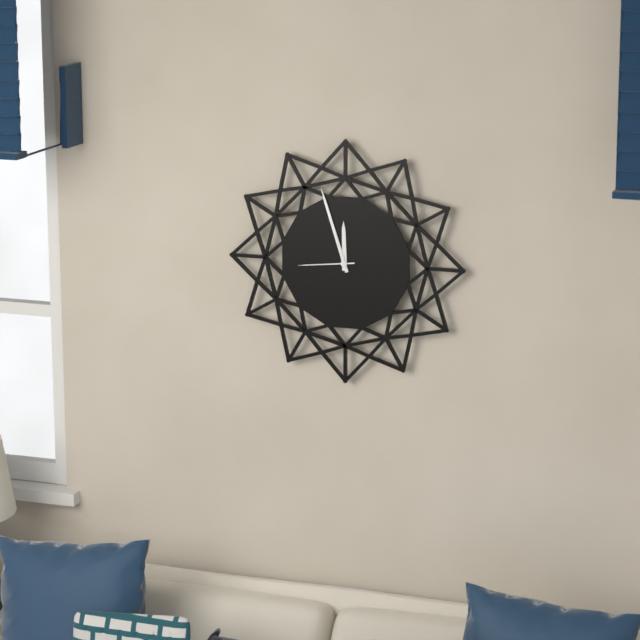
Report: {"hour": 11, "minute": 57, "second": 44}
